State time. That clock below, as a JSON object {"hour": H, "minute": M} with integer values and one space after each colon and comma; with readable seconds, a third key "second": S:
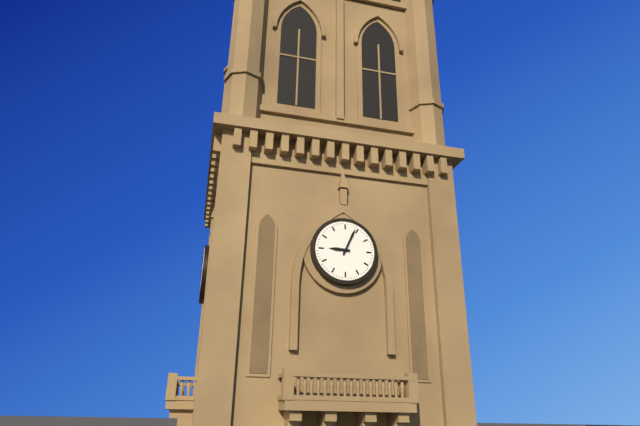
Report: {"hour": 9, "minute": 4}
